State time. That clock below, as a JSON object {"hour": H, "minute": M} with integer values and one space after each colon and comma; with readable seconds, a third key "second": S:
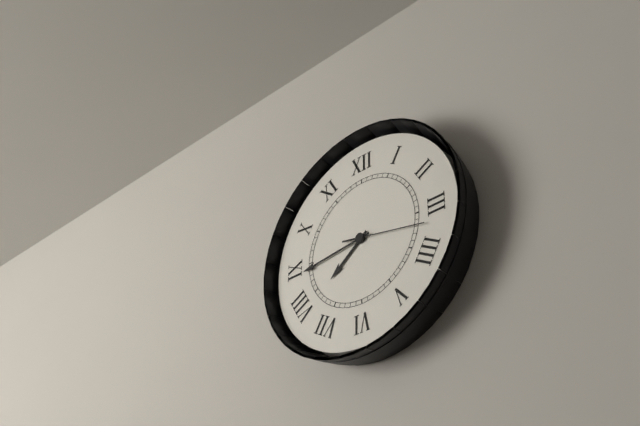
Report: {"hour": 7, "minute": 44, "second": 17}
